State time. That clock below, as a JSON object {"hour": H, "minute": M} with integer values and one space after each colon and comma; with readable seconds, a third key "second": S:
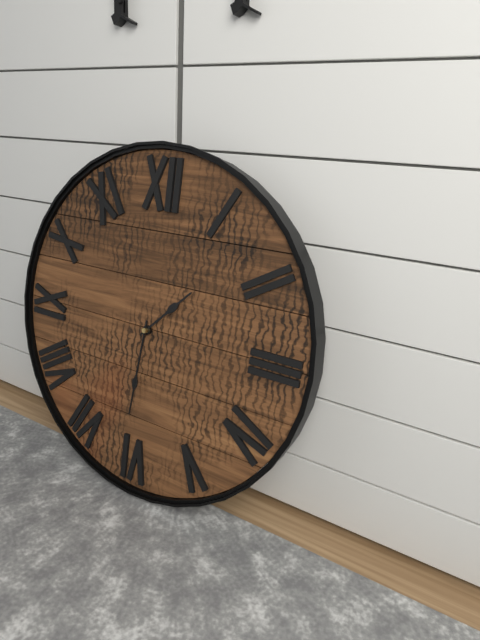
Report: {"hour": 1, "minute": 31}
